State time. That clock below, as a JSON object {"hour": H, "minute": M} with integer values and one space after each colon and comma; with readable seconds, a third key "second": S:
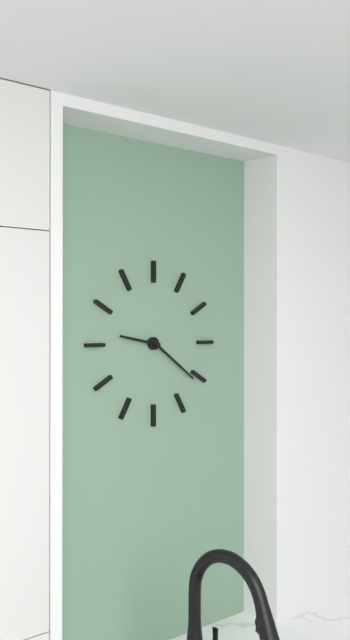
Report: {"hour": 9, "minute": 21}
